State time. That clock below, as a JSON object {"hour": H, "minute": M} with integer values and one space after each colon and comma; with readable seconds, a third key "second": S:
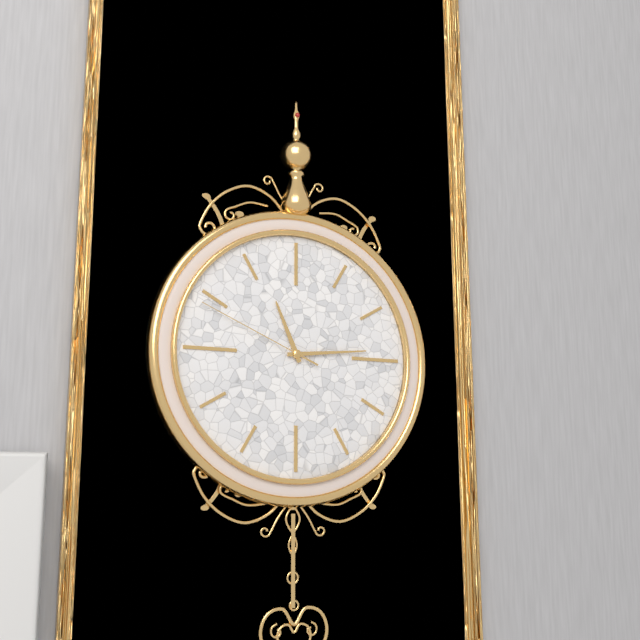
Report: {"hour": 11, "minute": 14, "second": 49}
